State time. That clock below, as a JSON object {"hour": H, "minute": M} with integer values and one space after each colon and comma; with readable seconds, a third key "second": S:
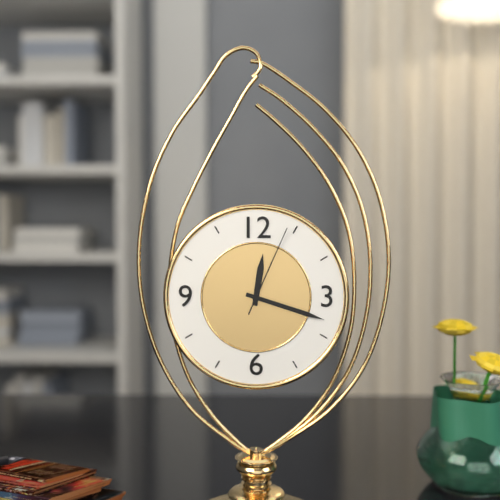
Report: {"hour": 12, "minute": 18, "second": 4}
